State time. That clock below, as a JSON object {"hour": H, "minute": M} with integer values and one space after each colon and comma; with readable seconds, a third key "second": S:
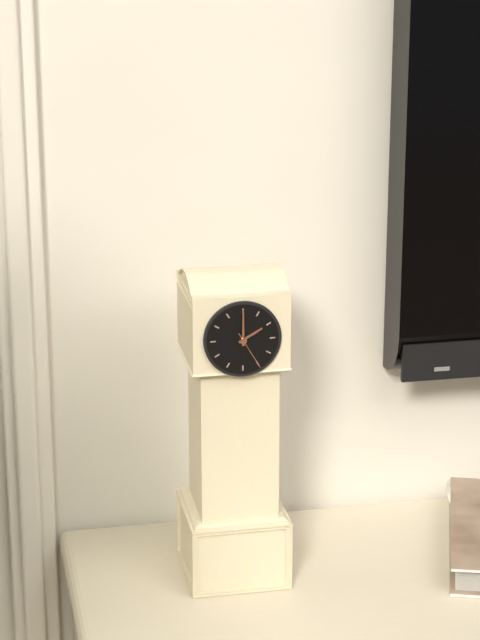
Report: {"hour": 2, "minute": 0}
